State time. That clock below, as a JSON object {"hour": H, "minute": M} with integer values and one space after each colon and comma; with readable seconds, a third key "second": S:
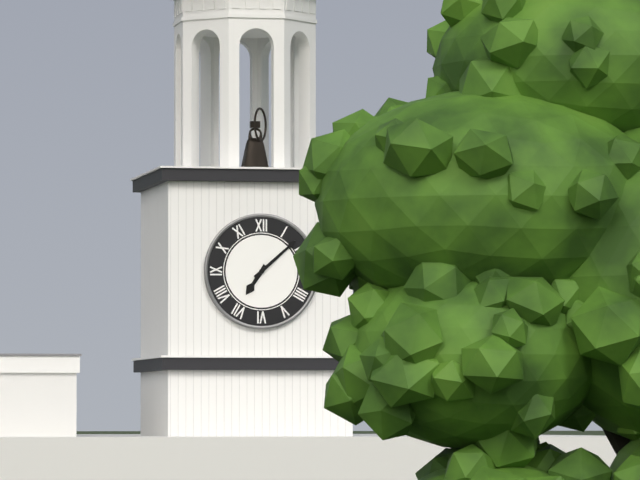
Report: {"hour": 7, "minute": 8}
